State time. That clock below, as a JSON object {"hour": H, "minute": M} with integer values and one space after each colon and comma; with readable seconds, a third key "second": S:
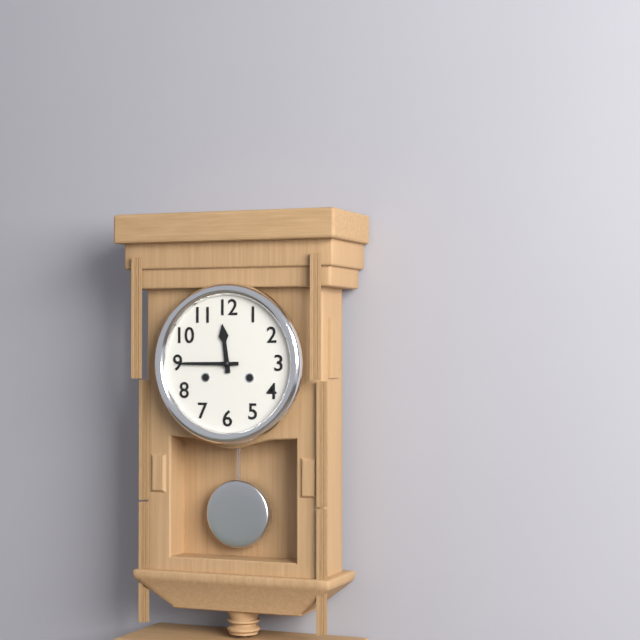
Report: {"hour": 11, "minute": 45}
